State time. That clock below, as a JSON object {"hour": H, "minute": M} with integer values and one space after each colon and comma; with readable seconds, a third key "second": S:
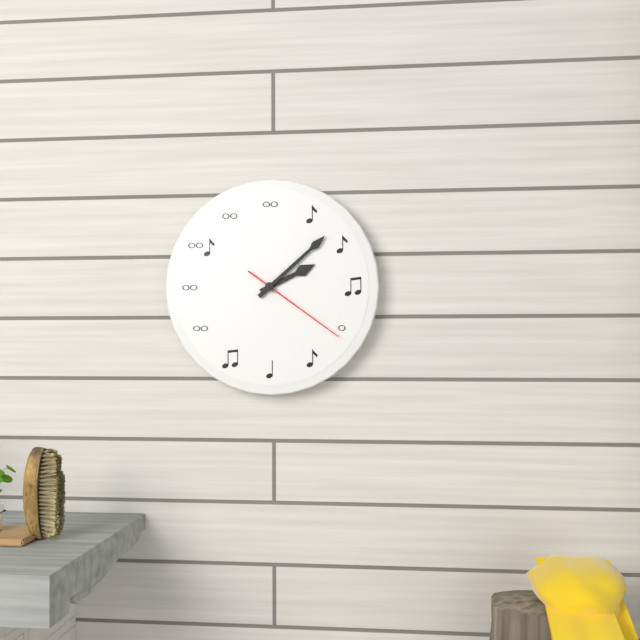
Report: {"hour": 2, "minute": 8, "second": 21}
